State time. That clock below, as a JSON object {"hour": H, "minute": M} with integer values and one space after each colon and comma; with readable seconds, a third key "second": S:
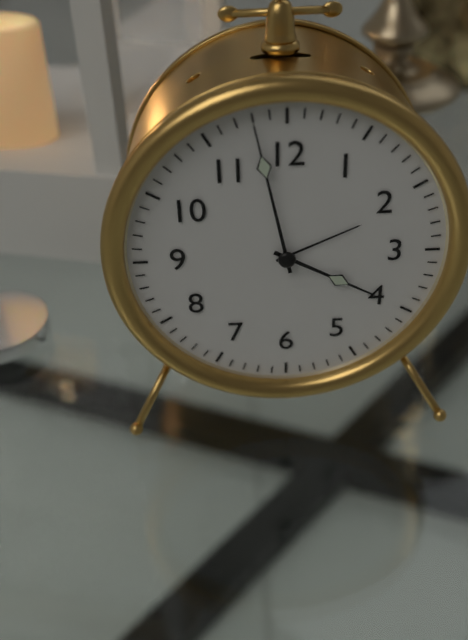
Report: {"hour": 3, "minute": 58}
